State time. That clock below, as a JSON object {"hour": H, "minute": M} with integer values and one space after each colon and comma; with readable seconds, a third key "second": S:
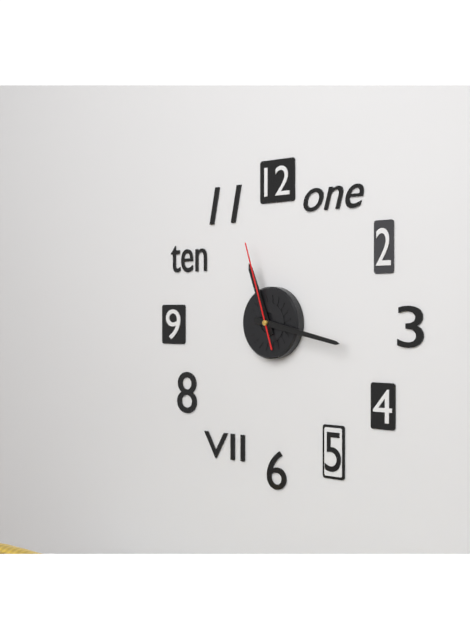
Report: {"hour": 11, "minute": 17, "second": 57}
